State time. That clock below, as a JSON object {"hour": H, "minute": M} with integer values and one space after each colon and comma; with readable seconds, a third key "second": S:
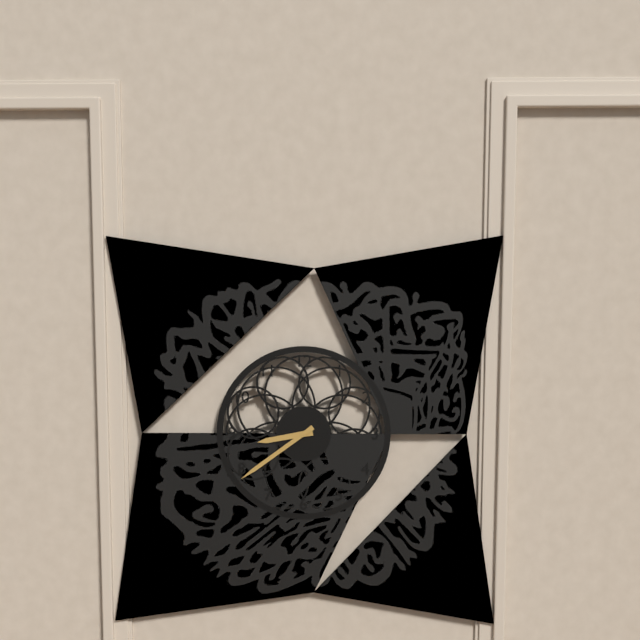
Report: {"hour": 8, "minute": 39}
